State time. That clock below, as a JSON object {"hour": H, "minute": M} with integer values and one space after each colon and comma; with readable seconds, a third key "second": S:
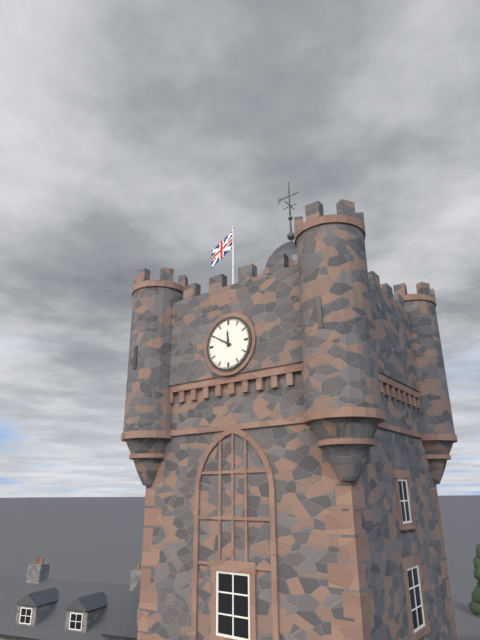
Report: {"hour": 11, "minute": 50}
